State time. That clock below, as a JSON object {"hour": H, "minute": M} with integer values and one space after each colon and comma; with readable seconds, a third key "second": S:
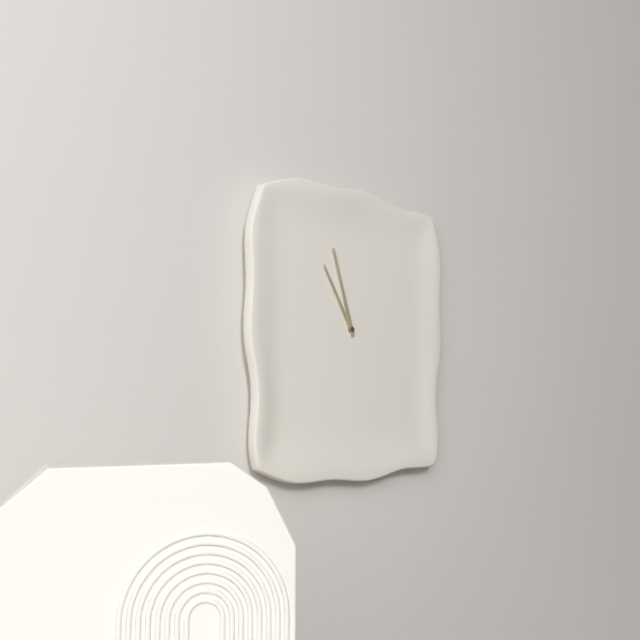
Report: {"hour": 10, "minute": 57}
